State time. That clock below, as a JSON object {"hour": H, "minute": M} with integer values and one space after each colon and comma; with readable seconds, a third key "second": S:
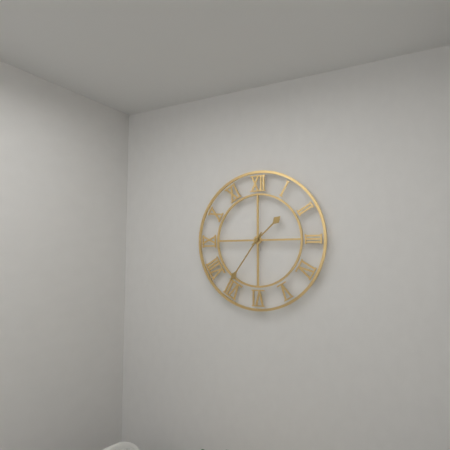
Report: {"hour": 1, "minute": 36}
